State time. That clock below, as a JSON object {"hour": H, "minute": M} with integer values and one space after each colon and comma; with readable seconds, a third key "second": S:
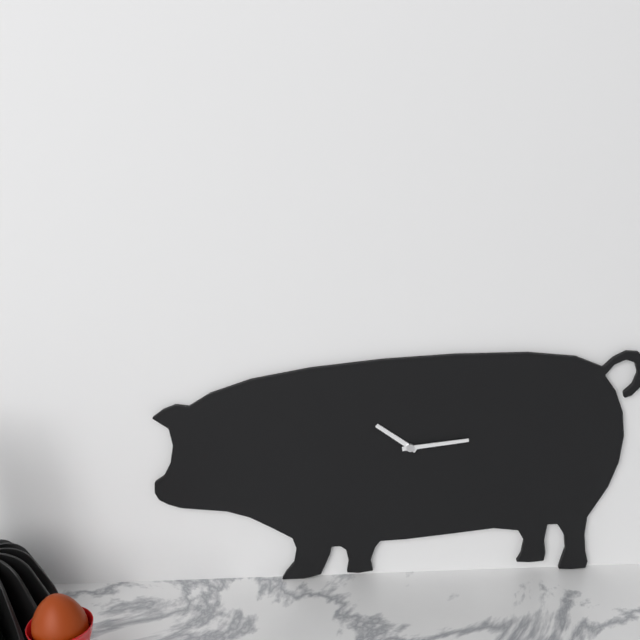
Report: {"hour": 10, "minute": 14}
